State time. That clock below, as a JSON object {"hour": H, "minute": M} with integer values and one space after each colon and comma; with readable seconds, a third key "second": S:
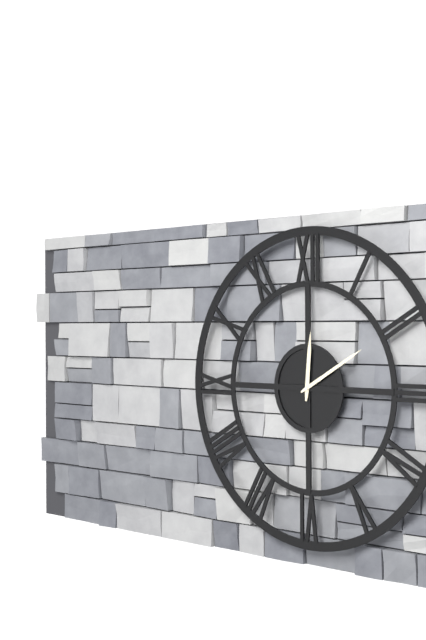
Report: {"hour": 12, "minute": 10}
